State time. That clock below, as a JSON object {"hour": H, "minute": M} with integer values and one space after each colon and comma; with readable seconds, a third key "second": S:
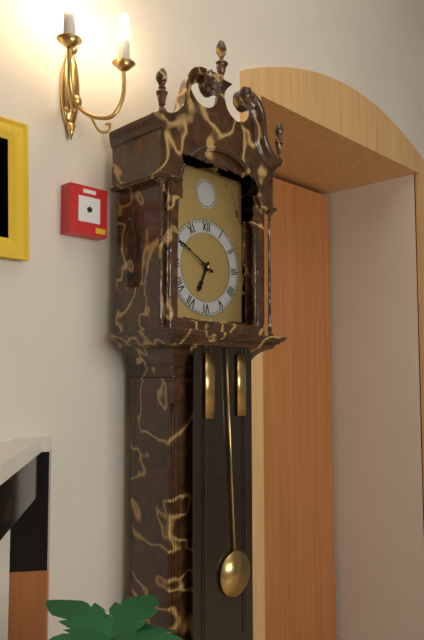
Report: {"hour": 6, "minute": 50}
